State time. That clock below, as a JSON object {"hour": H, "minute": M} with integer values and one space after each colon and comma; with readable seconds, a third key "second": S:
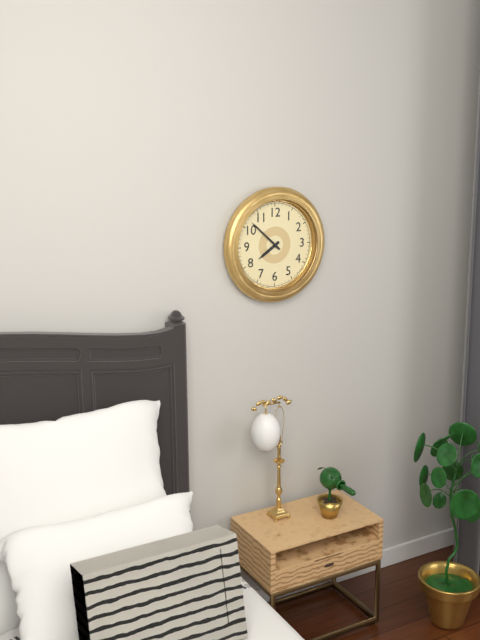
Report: {"hour": 7, "minute": 52}
